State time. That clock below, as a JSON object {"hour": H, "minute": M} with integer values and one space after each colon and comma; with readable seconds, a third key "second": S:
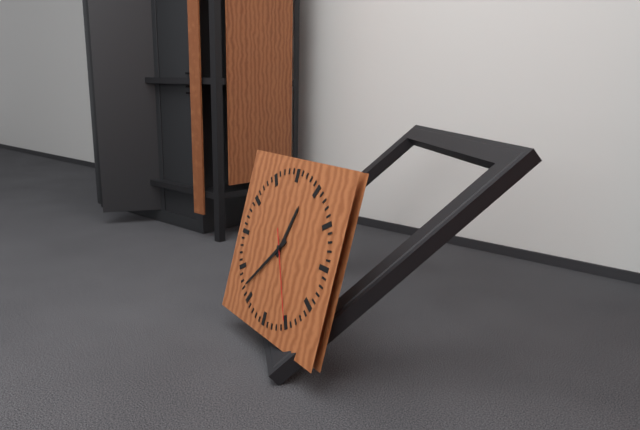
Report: {"hour": 12, "minute": 37, "second": 25}
